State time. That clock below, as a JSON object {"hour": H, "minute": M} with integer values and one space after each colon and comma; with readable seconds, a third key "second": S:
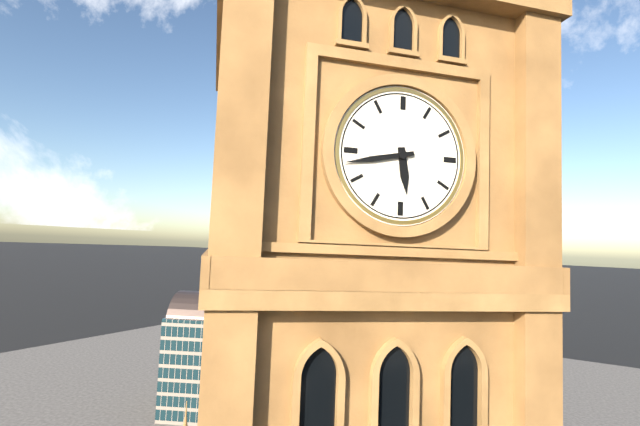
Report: {"hour": 5, "minute": 43}
